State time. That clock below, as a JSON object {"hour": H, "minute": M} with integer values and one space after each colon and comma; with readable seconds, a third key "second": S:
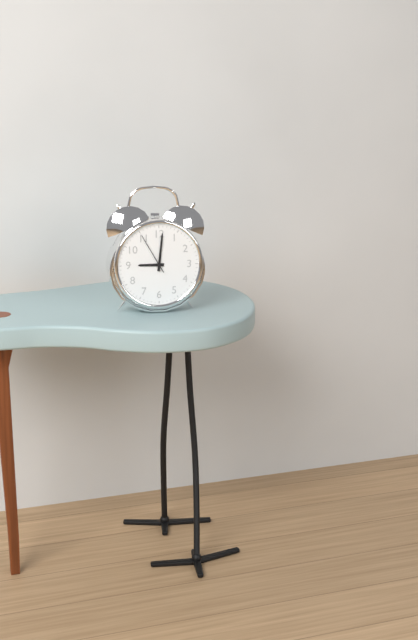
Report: {"hour": 9, "minute": 1}
